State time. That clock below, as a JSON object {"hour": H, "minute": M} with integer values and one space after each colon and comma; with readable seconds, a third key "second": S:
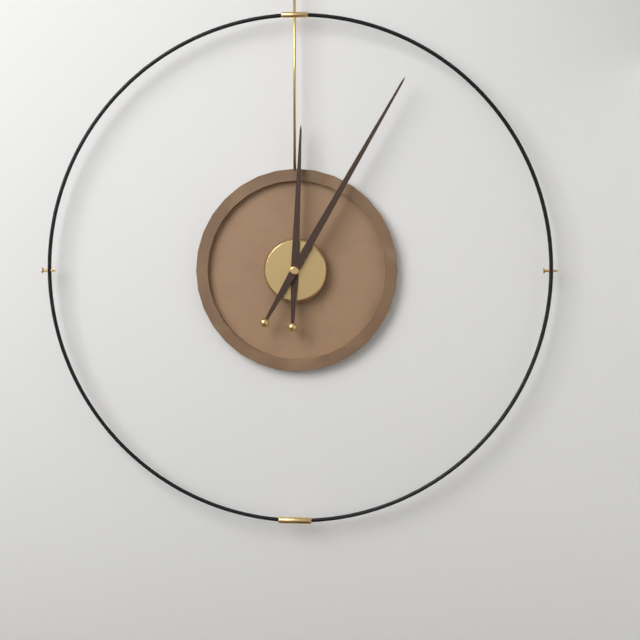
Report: {"hour": 12, "minute": 5}
